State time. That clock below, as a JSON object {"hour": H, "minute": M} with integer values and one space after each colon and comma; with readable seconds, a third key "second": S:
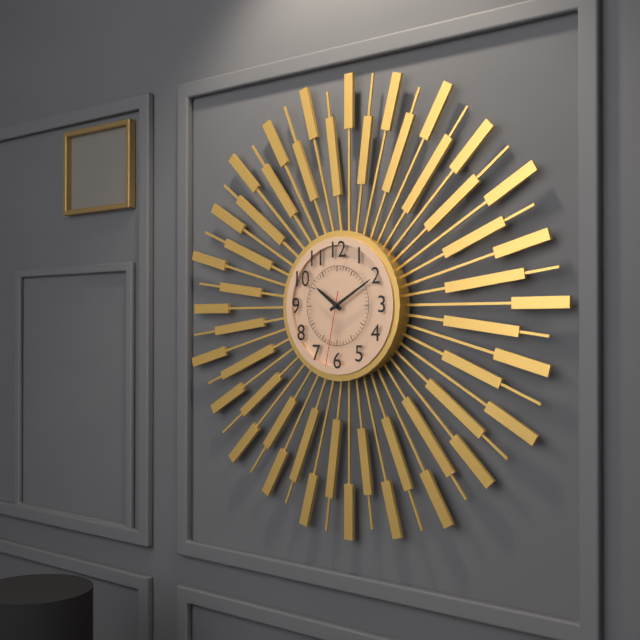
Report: {"hour": 10, "minute": 10, "second": 32}
